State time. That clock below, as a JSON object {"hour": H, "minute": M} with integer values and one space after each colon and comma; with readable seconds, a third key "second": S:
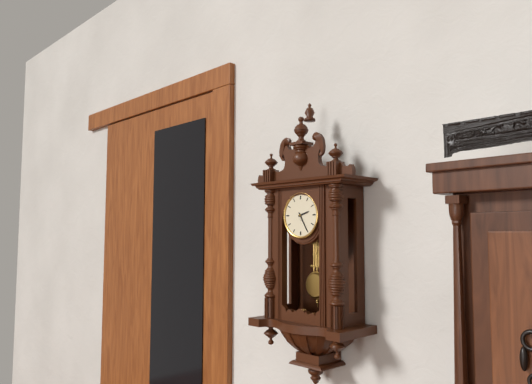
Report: {"hour": 2, "minute": 25}
